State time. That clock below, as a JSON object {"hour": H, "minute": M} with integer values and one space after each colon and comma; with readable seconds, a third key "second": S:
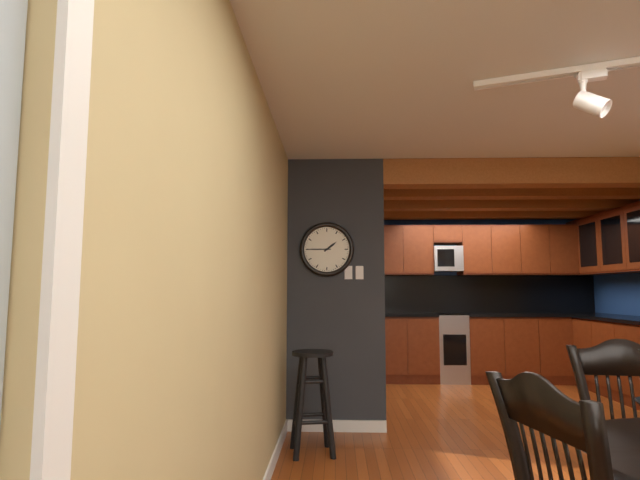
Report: {"hour": 1, "minute": 45}
